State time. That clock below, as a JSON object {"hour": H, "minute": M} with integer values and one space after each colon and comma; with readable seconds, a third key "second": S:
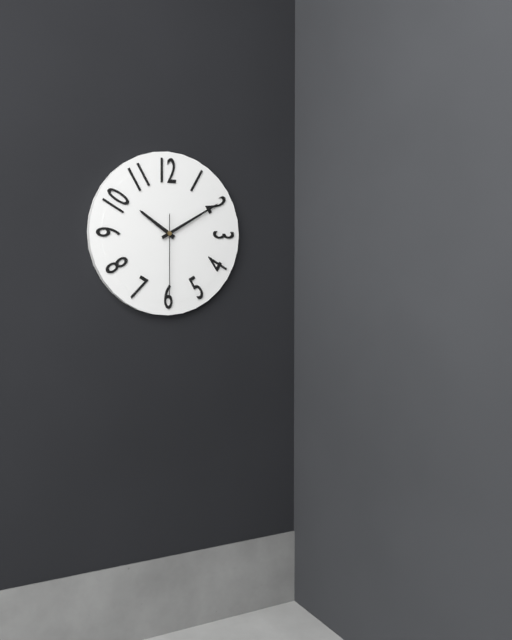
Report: {"hour": 10, "minute": 10, "second": 30}
